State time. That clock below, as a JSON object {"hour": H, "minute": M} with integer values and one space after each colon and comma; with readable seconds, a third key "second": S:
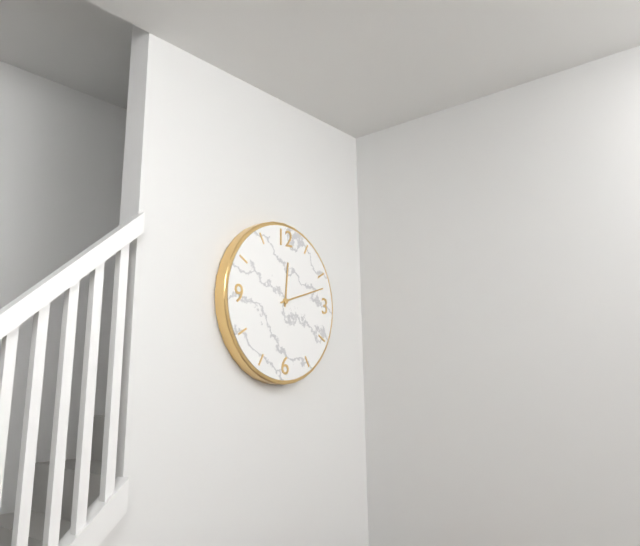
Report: {"hour": 12, "minute": 12}
